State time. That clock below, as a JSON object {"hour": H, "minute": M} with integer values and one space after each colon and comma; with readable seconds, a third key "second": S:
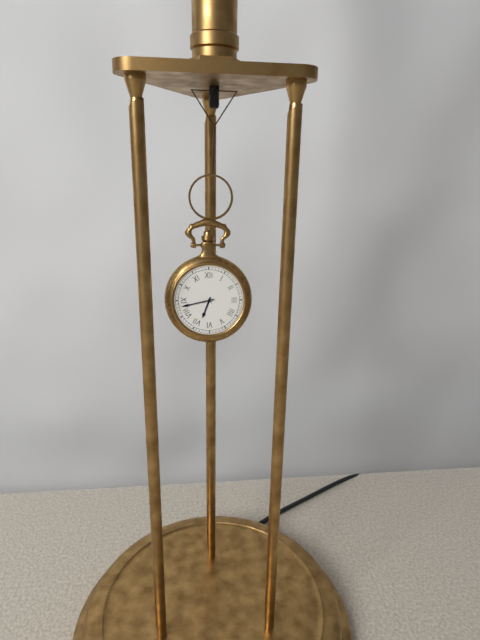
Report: {"hour": 6, "minute": 43}
